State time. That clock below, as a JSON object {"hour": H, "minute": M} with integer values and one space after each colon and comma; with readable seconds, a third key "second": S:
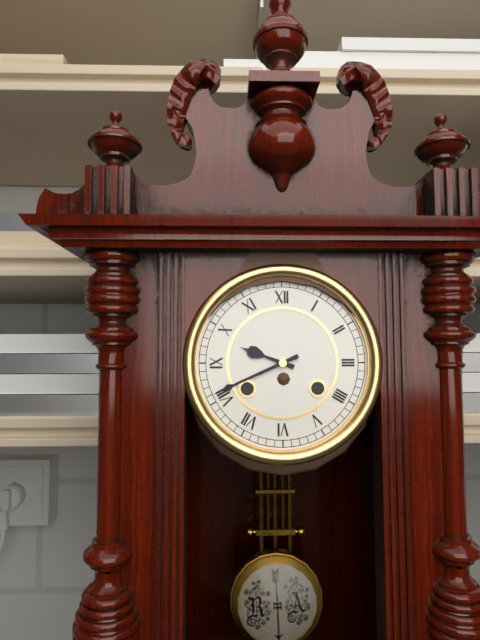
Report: {"hour": 9, "minute": 41}
